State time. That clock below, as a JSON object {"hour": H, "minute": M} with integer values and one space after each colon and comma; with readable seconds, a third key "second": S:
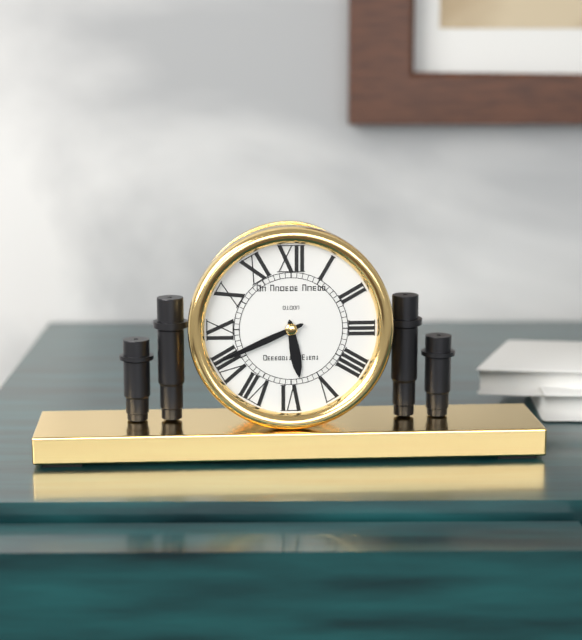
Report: {"hour": 5, "minute": 41}
